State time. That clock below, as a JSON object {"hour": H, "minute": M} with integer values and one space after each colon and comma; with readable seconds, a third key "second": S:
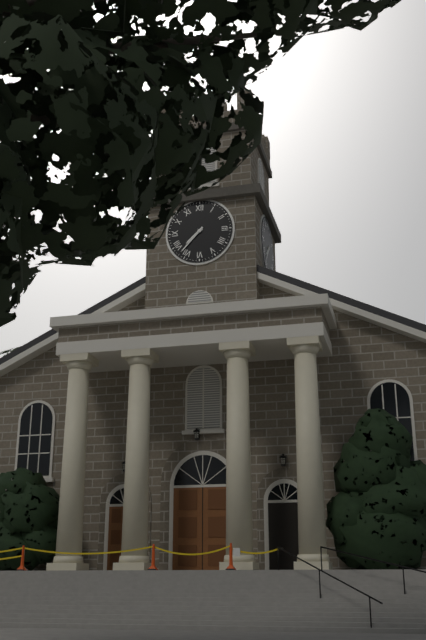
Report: {"hour": 7, "minute": 37}
